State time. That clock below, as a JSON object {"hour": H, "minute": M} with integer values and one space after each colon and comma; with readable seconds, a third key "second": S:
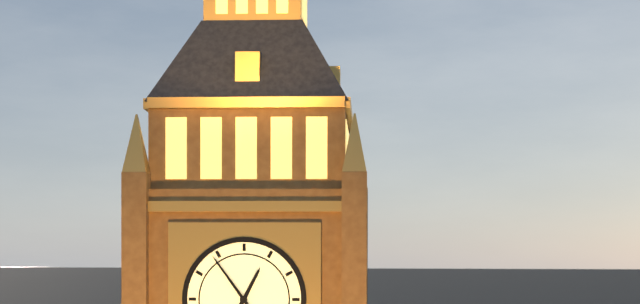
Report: {"hour": 12, "minute": 54}
